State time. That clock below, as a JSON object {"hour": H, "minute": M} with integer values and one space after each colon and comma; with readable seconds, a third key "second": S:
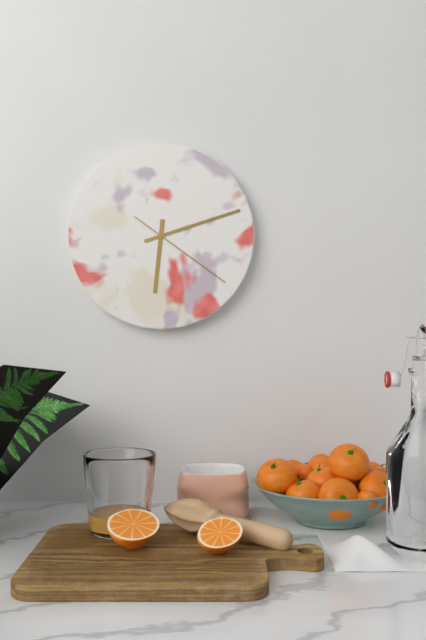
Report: {"hour": 6, "minute": 12, "second": 21}
